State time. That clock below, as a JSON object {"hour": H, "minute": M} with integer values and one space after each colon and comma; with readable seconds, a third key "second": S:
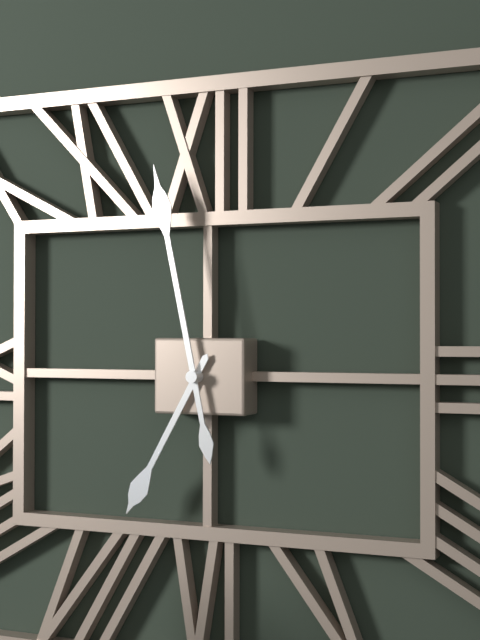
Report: {"hour": 6, "minute": 58}
